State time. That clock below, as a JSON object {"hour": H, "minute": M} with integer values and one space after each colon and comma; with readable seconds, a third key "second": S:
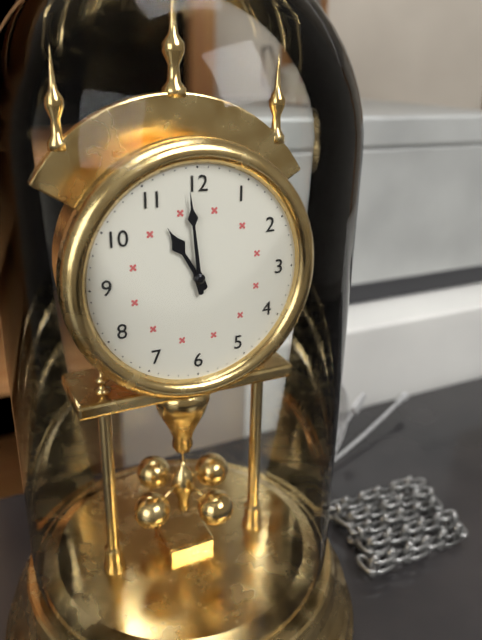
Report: {"hour": 10, "minute": 59}
